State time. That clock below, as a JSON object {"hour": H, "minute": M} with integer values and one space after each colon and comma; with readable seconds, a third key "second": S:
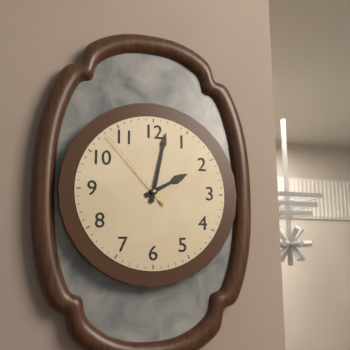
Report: {"hour": 2, "minute": 2, "second": 53}
